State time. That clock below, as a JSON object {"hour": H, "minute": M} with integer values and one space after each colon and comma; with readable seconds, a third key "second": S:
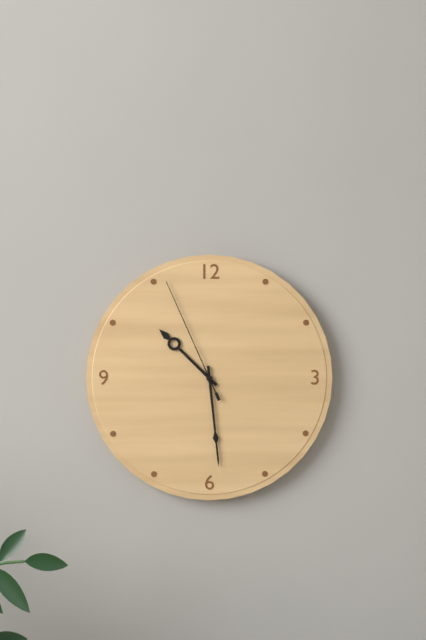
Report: {"hour": 10, "minute": 29, "second": 56}
